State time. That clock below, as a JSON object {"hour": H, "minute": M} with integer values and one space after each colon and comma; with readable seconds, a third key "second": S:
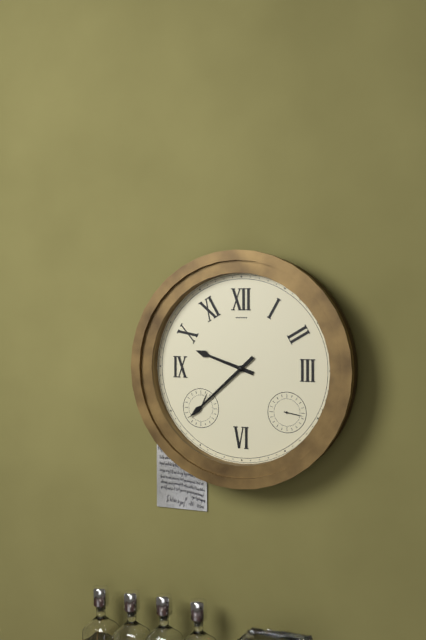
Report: {"hour": 9, "minute": 38}
